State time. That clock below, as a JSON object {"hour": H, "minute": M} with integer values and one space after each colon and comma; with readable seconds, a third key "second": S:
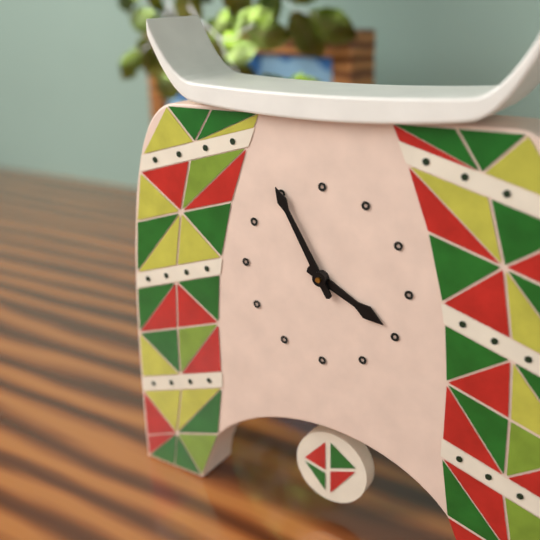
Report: {"hour": 3, "minute": 55}
